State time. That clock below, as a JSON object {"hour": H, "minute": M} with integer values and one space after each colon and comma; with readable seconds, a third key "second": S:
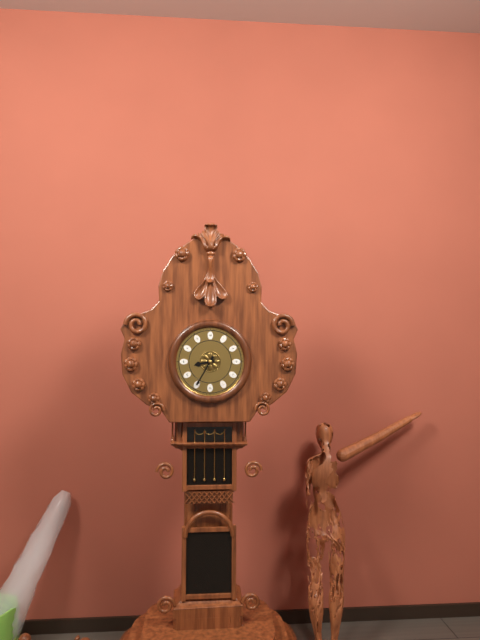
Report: {"hour": 8, "minute": 35}
